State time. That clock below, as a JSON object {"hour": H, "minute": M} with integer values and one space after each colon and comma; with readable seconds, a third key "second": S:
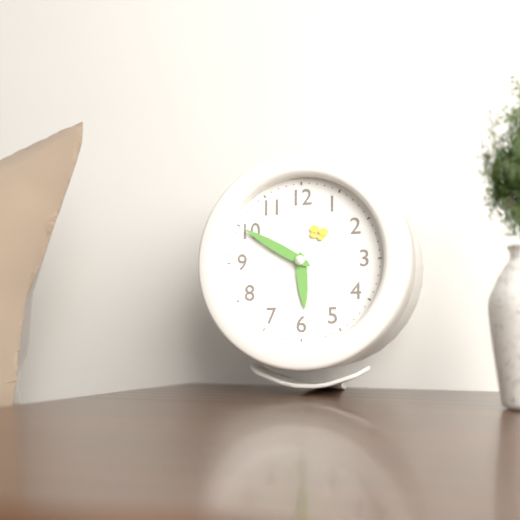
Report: {"hour": 5, "minute": 50}
